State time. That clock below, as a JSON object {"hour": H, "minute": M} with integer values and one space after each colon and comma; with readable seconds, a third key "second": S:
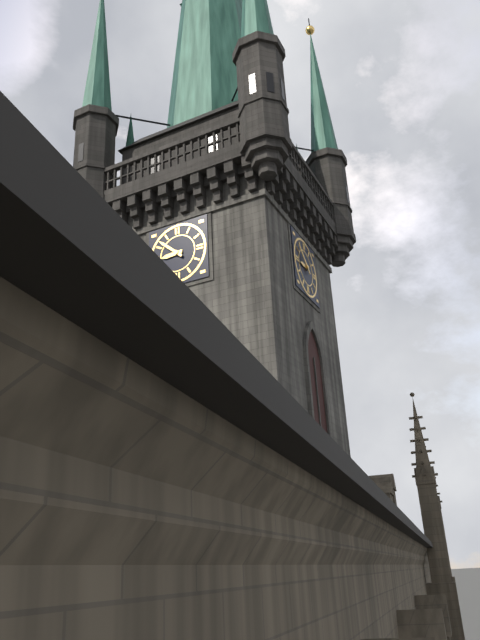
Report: {"hour": 8, "minute": 52}
